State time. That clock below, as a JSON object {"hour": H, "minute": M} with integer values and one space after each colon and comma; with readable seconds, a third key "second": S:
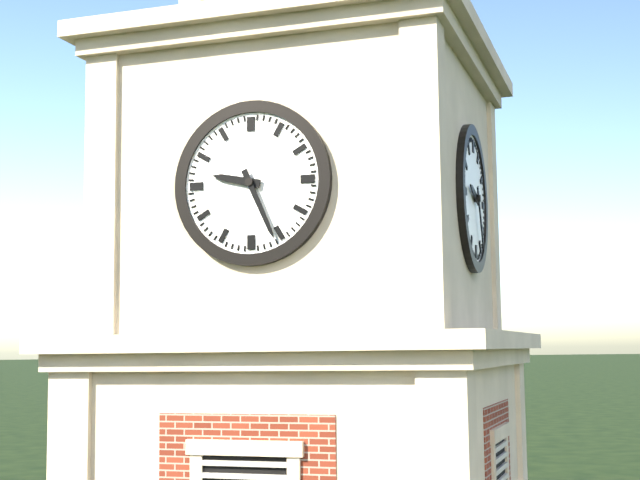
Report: {"hour": 9, "minute": 26}
